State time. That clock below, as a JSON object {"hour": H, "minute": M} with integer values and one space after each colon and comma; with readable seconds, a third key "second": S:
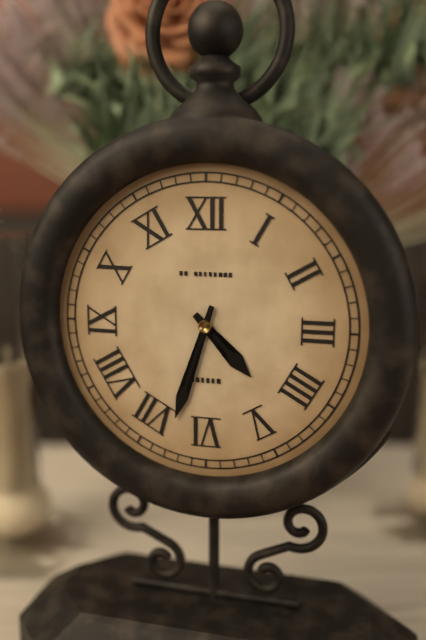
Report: {"hour": 4, "minute": 33}
